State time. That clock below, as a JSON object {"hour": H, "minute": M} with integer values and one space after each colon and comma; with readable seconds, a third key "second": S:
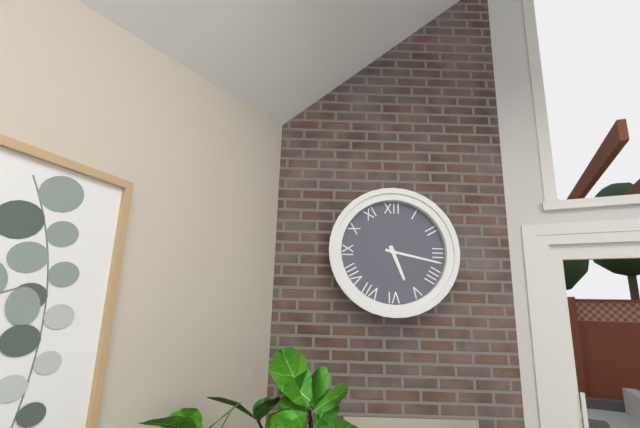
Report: {"hour": 5, "minute": 17}
